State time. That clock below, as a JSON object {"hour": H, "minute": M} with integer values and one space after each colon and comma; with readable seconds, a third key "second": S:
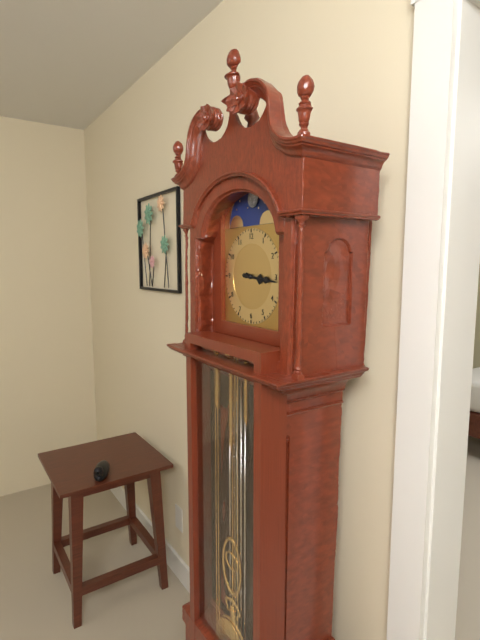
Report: {"hour": 3, "minute": 16}
